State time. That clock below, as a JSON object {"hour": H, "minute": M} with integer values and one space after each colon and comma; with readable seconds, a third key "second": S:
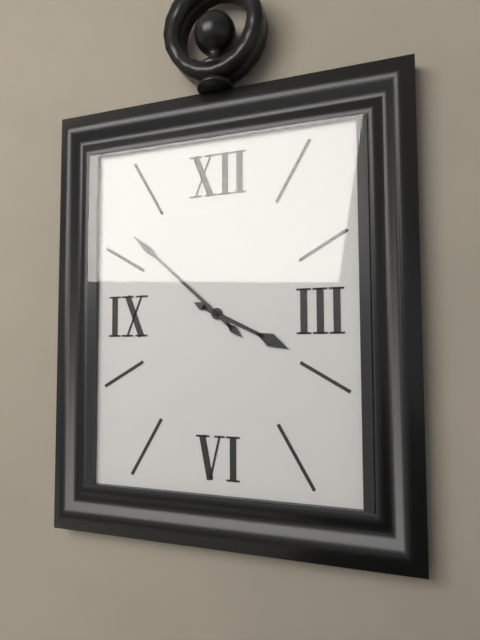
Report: {"hour": 3, "minute": 52}
